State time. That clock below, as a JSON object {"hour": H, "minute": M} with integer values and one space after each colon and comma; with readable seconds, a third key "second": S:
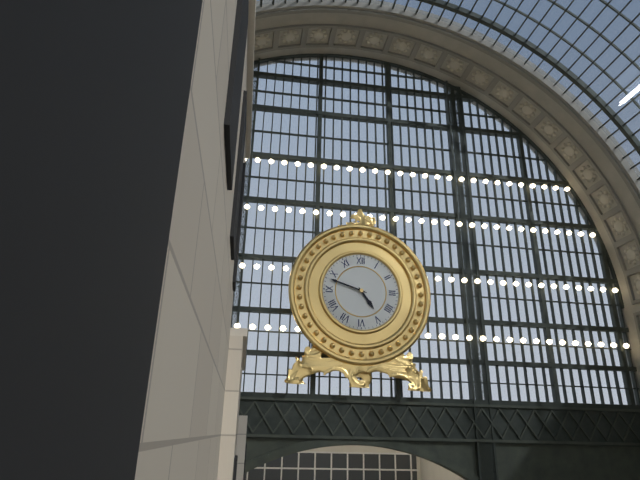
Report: {"hour": 4, "minute": 48}
